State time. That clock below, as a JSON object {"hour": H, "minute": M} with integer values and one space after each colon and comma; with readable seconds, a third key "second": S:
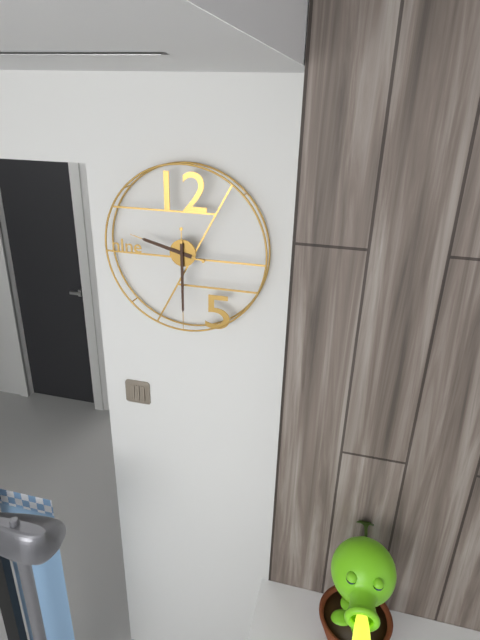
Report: {"hour": 9, "minute": 30}
